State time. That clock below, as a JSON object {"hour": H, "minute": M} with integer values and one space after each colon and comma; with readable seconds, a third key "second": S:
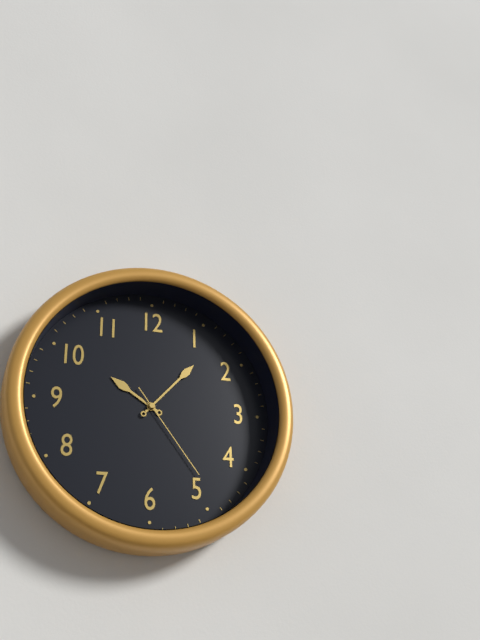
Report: {"hour": 10, "minute": 7, "second": 24}
